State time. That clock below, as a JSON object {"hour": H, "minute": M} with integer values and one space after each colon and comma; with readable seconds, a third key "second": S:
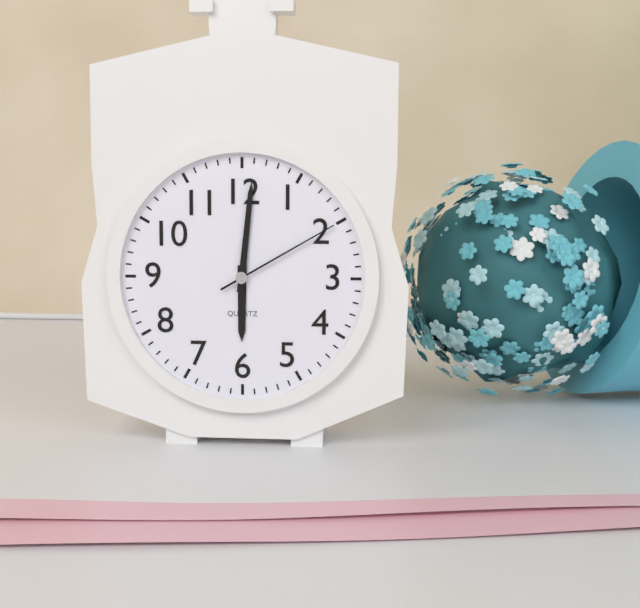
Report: {"hour": 6, "minute": 1, "second": 10}
